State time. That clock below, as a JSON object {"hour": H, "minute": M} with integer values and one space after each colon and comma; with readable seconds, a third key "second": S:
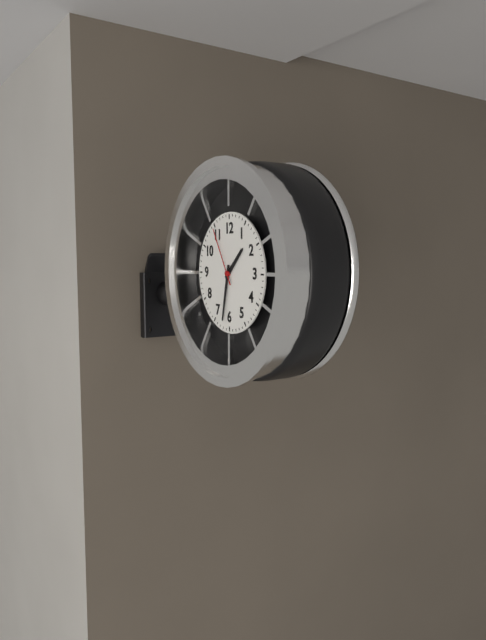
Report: {"hour": 1, "minute": 32, "second": 55}
